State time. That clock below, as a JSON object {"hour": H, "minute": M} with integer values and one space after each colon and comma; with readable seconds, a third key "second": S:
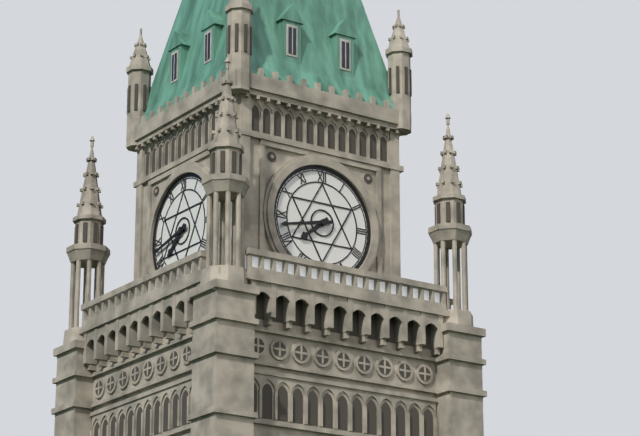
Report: {"hour": 7, "minute": 43}
